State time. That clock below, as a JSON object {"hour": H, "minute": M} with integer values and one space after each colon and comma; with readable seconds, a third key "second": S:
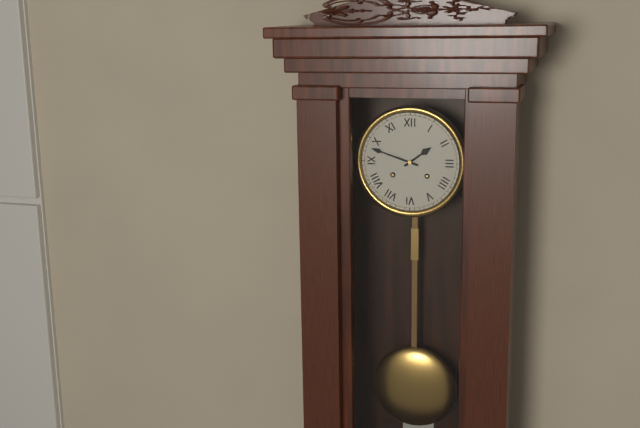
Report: {"hour": 1, "minute": 48}
